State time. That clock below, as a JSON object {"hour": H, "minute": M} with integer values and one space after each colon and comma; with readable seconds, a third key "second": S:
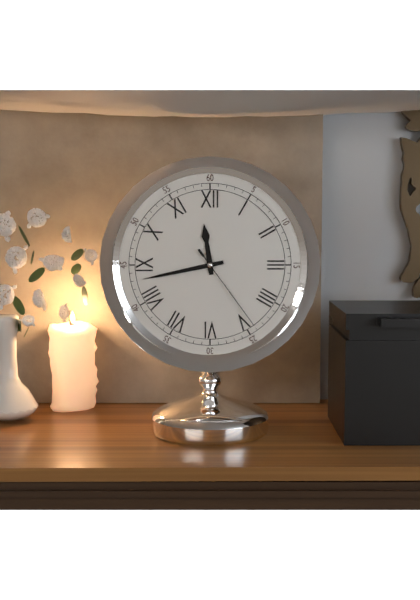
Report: {"hour": 11, "minute": 43, "second": 24}
